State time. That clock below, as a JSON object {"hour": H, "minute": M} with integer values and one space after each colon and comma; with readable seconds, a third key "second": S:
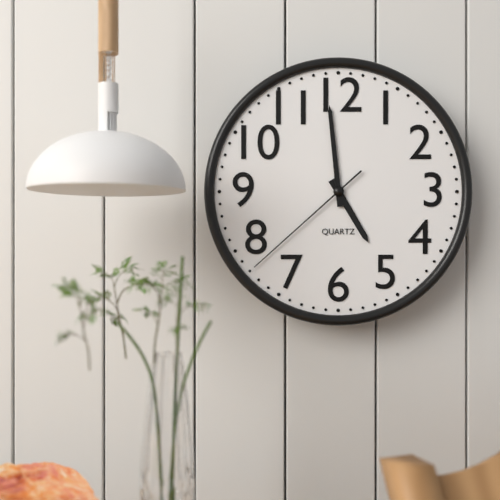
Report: {"hour": 4, "minute": 59, "second": 38}
